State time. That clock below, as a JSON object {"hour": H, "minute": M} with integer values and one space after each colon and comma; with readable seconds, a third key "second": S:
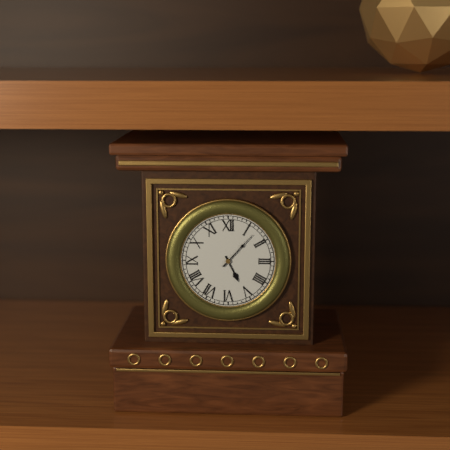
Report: {"hour": 5, "minute": 7}
